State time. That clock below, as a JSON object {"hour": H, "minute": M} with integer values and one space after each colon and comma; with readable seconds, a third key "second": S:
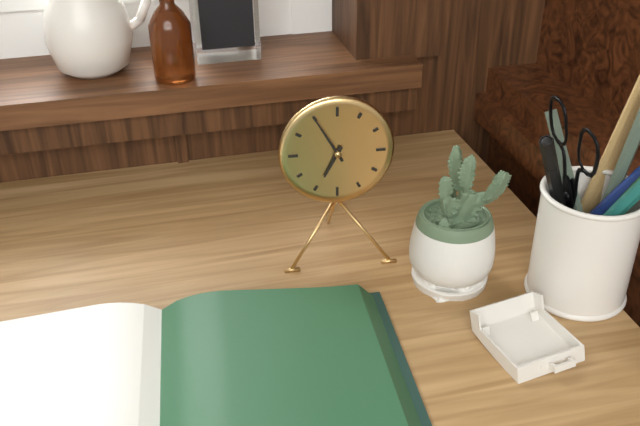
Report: {"hour": 6, "minute": 55}
